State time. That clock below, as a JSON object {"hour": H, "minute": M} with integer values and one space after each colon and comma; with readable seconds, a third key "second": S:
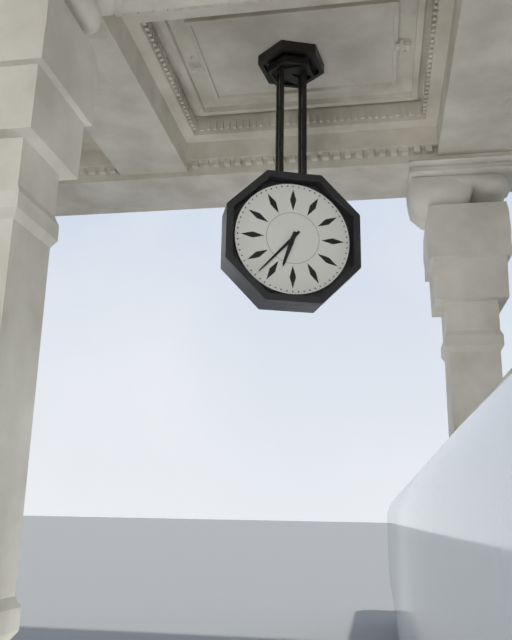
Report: {"hour": 6, "minute": 37}
